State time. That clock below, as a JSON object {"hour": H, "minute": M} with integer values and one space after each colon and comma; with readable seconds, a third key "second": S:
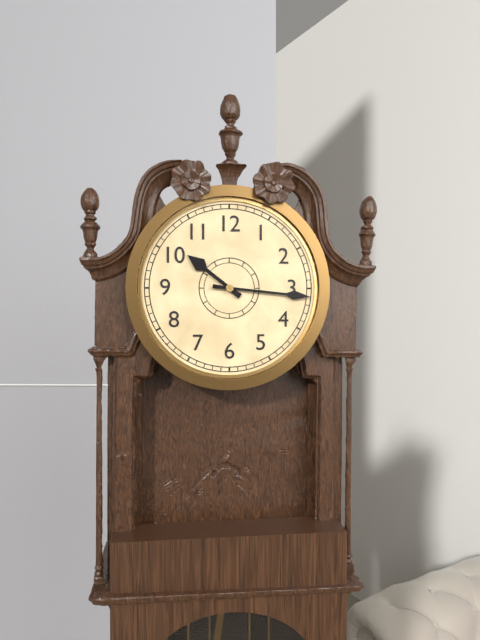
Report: {"hour": 10, "minute": 16}
